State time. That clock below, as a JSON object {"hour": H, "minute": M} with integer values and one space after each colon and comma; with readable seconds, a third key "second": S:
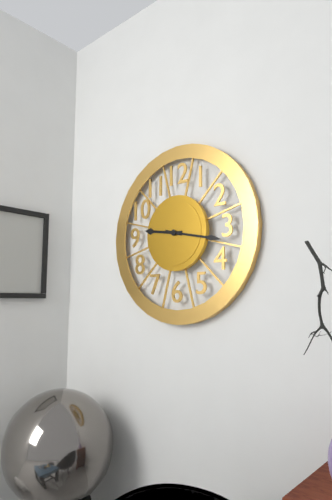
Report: {"hour": 9, "minute": 17}
